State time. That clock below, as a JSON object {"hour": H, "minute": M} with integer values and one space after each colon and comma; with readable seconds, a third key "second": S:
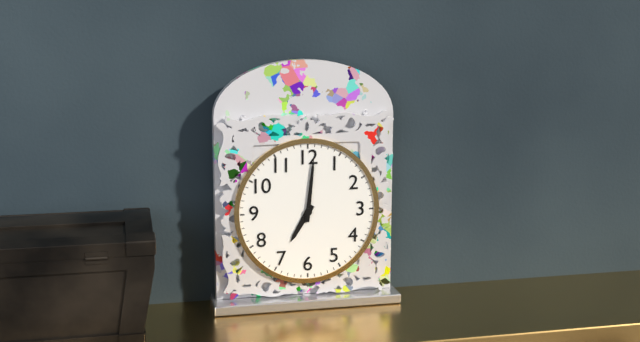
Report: {"hour": 7, "minute": 1}
